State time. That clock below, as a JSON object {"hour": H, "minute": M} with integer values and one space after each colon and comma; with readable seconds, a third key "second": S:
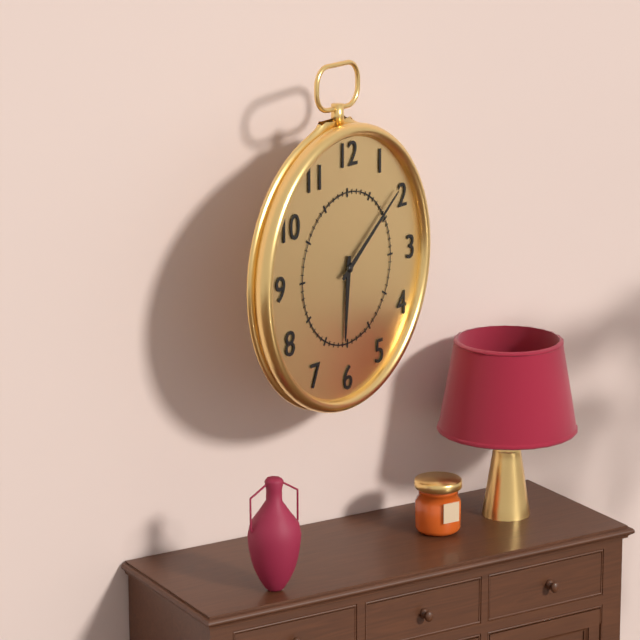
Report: {"hour": 6, "minute": 9}
